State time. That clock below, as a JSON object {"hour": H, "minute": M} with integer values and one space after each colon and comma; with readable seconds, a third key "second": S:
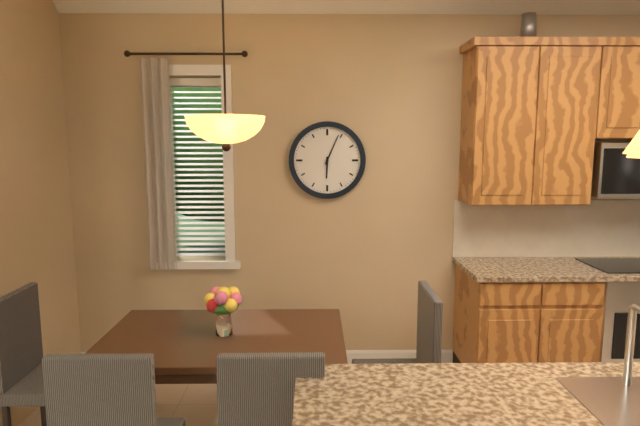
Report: {"hour": 6, "minute": 4}
